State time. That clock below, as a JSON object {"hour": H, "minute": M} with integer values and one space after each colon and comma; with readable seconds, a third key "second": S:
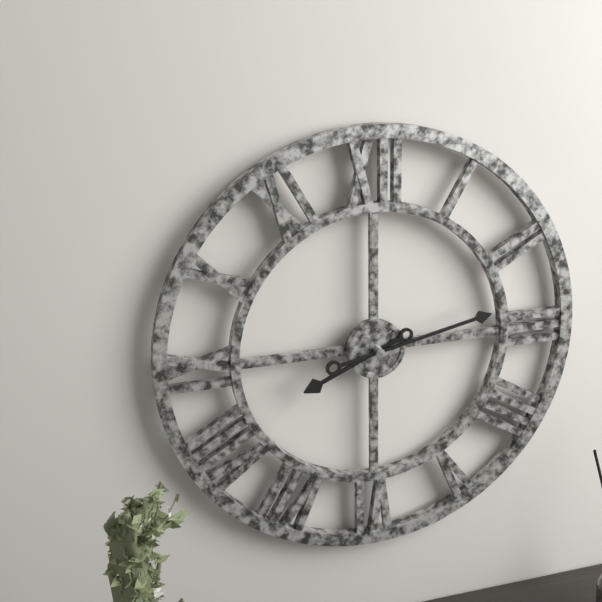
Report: {"hour": 8, "minute": 13}
